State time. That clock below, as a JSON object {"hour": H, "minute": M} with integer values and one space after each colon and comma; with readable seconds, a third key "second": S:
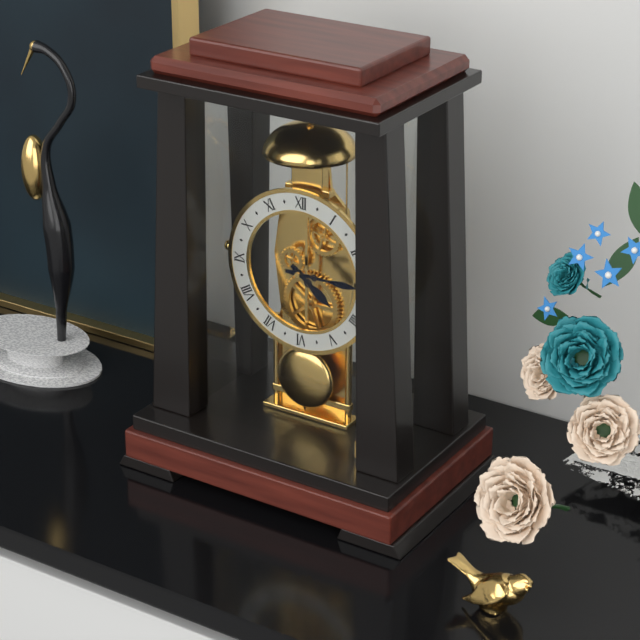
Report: {"hour": 4, "minute": 15}
